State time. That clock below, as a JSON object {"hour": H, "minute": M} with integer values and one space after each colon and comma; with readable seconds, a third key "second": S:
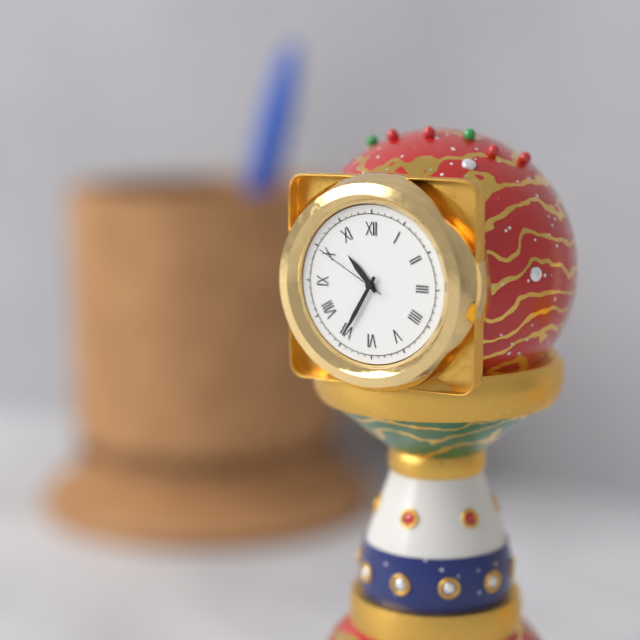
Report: {"hour": 10, "minute": 35, "second": 50}
